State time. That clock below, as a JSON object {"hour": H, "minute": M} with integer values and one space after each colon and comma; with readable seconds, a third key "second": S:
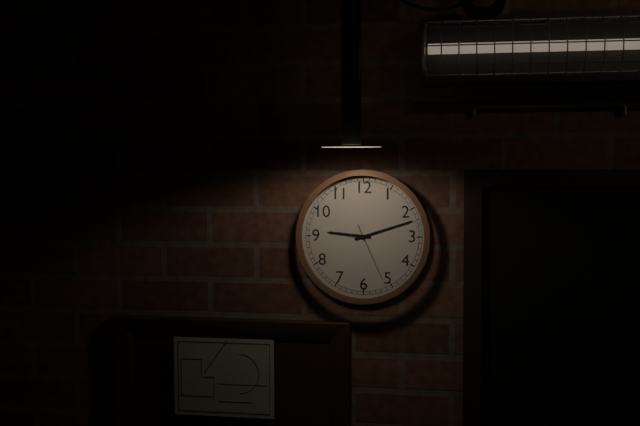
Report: {"hour": 9, "minute": 12, "second": 26}
